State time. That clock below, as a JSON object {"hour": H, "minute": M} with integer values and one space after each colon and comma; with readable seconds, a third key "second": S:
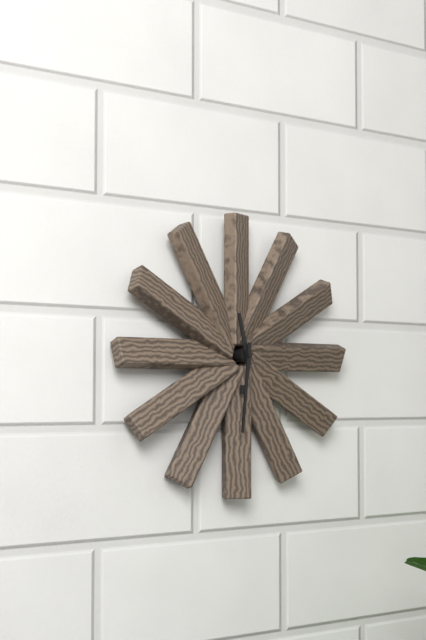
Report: {"hour": 11, "minute": 31}
